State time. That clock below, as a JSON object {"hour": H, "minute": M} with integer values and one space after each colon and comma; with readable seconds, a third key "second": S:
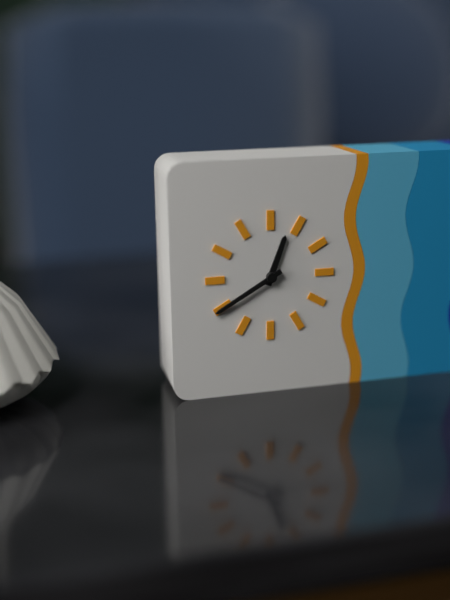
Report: {"hour": 12, "minute": 40}
